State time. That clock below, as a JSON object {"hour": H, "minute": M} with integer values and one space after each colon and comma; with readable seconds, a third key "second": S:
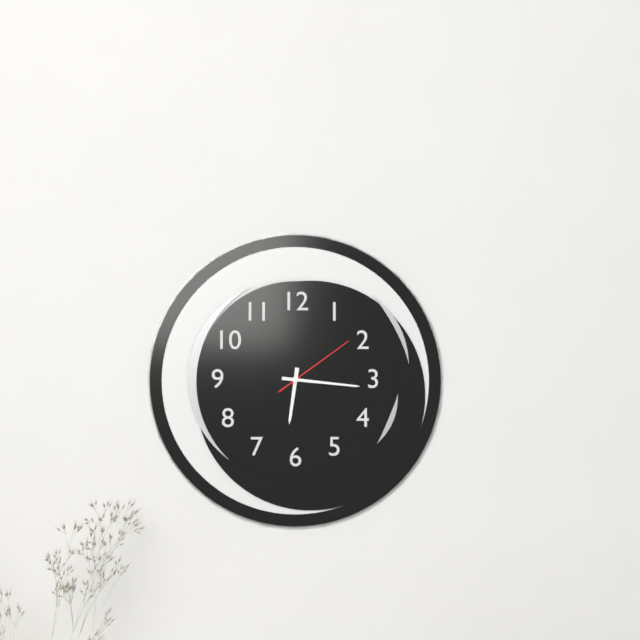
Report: {"hour": 6, "minute": 16, "second": 9}
